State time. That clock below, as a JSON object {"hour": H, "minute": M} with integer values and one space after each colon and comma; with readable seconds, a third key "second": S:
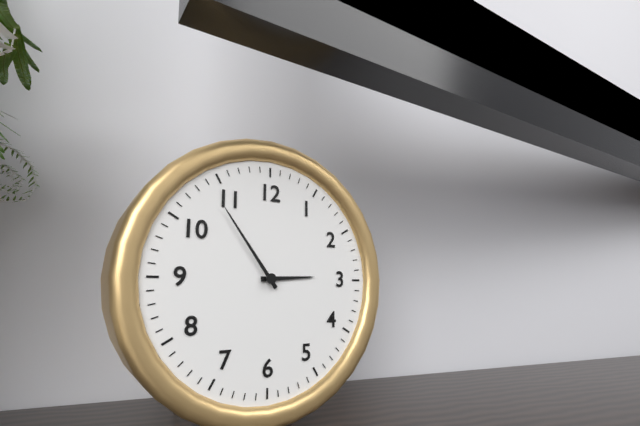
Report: {"hour": 2, "minute": 54}
